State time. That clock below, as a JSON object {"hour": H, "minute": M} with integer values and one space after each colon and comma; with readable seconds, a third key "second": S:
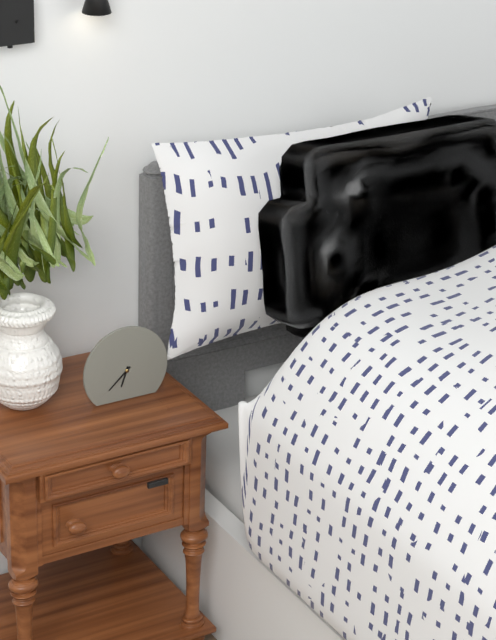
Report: {"hour": 6, "minute": 38}
